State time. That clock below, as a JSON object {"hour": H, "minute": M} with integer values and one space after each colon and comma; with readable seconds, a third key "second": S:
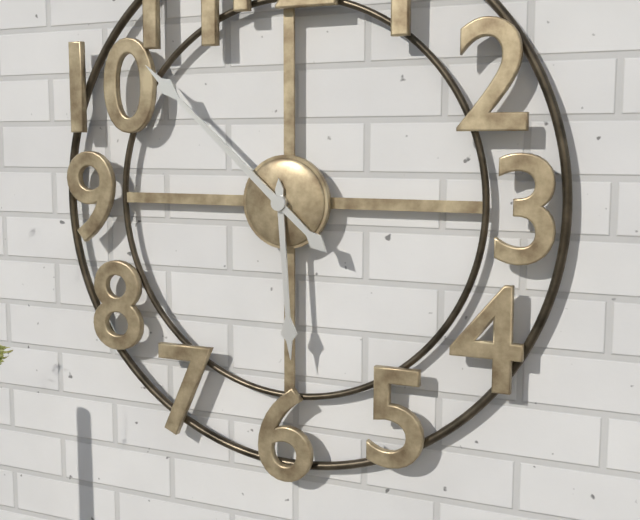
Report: {"hour": 5, "minute": 52}
